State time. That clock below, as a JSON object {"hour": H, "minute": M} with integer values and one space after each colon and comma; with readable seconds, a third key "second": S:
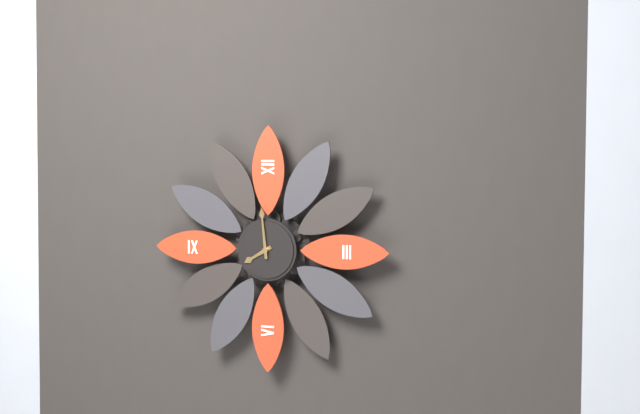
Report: {"hour": 7, "minute": 59}
